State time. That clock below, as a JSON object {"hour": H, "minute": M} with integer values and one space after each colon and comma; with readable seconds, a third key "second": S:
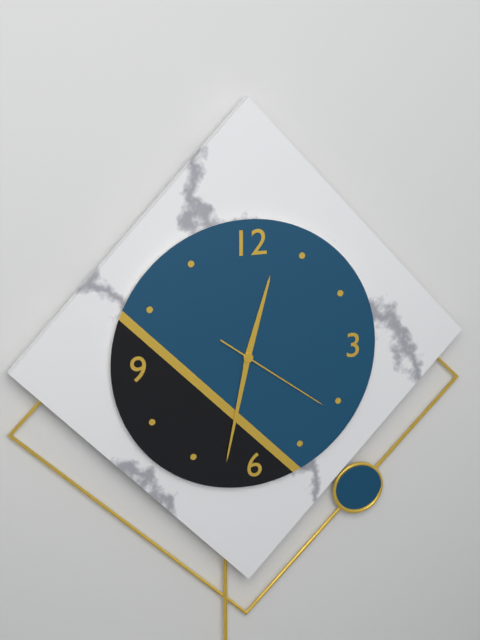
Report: {"hour": 12, "minute": 32, "second": 21}
